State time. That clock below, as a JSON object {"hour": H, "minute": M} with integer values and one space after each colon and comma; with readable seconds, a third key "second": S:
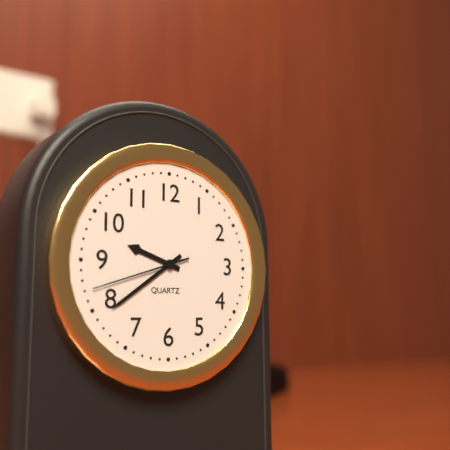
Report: {"hour": 9, "minute": 39, "second": 42}
